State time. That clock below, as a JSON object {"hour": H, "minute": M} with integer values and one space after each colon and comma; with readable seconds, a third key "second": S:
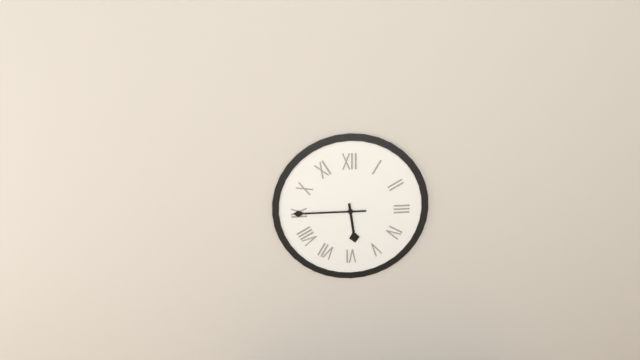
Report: {"hour": 5, "minute": 45}
